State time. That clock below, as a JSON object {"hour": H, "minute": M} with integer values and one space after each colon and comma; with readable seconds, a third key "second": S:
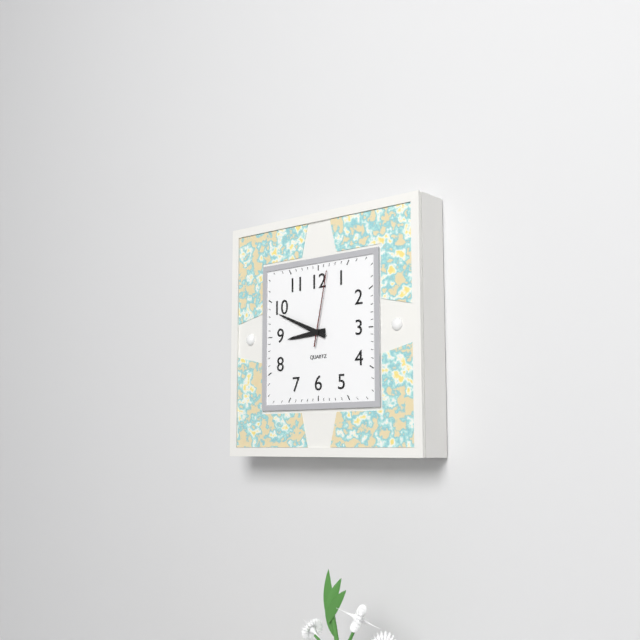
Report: {"hour": 8, "minute": 49, "second": 2}
